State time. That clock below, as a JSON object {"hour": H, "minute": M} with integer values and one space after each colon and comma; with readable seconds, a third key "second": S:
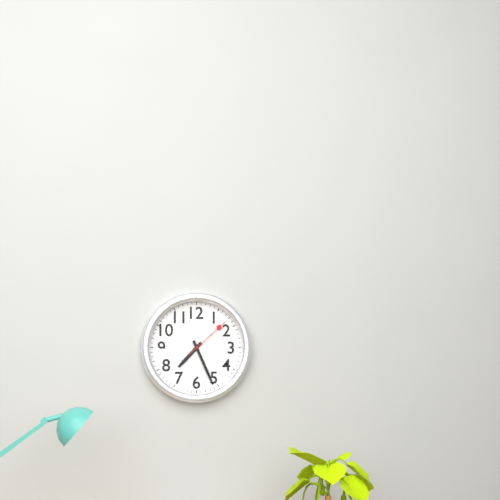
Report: {"hour": 7, "minute": 26}
